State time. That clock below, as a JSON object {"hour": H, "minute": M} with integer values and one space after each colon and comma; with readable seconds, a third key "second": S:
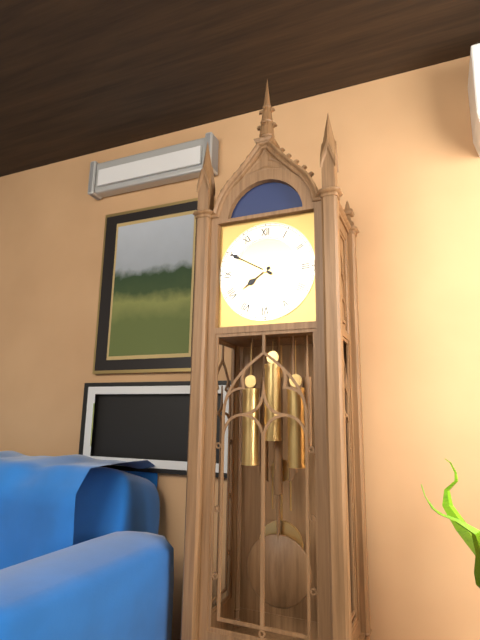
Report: {"hour": 7, "minute": 50}
